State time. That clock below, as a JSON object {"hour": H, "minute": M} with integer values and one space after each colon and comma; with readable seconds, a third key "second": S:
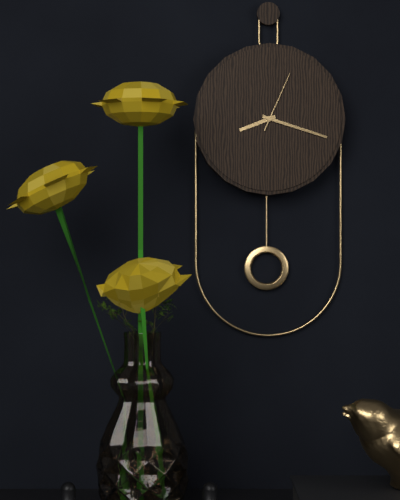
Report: {"hour": 8, "minute": 18, "second": 4}
